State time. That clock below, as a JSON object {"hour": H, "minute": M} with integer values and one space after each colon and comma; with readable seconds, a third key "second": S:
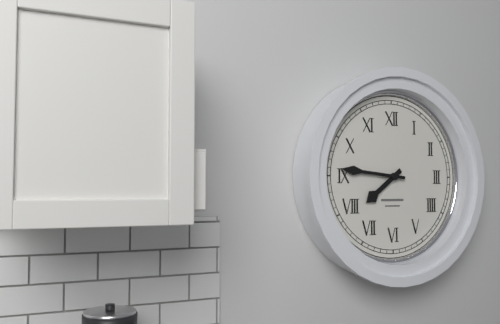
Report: {"hour": 7, "minute": 46}
